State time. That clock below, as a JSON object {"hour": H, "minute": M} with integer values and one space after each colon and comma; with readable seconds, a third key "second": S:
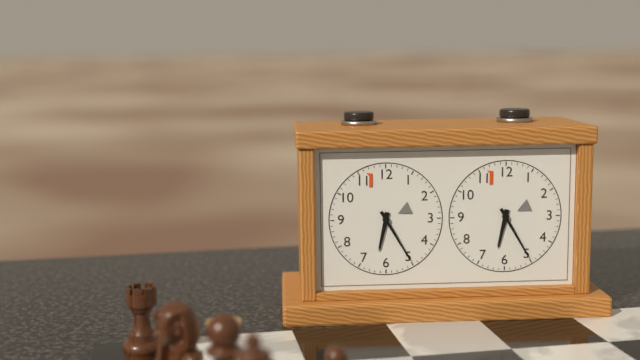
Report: {"hour": 6, "minute": 25}
